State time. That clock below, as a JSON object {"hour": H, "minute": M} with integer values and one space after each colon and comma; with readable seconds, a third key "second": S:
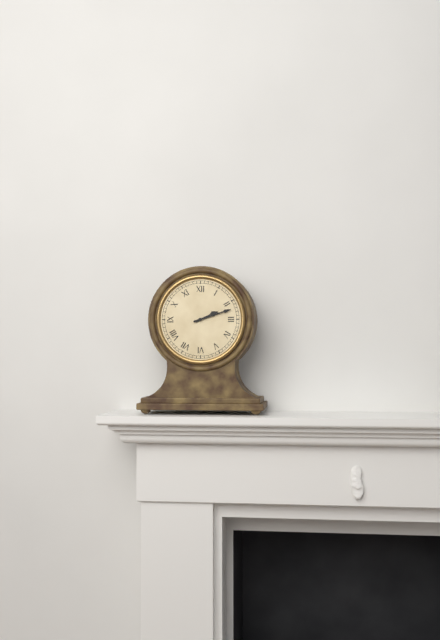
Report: {"hour": 2, "minute": 12}
